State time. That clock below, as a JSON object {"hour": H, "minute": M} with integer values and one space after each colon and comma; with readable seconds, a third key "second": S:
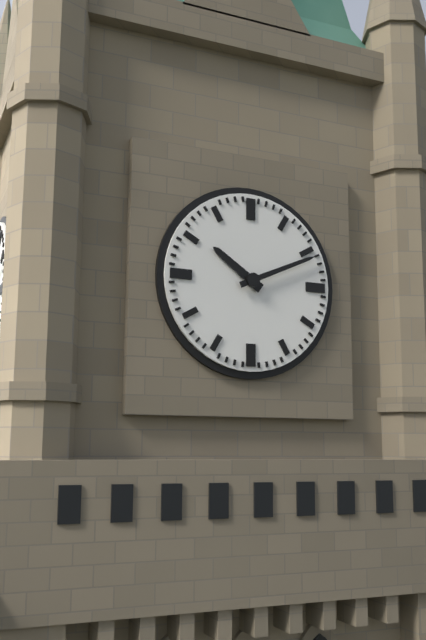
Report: {"hour": 10, "minute": 11}
